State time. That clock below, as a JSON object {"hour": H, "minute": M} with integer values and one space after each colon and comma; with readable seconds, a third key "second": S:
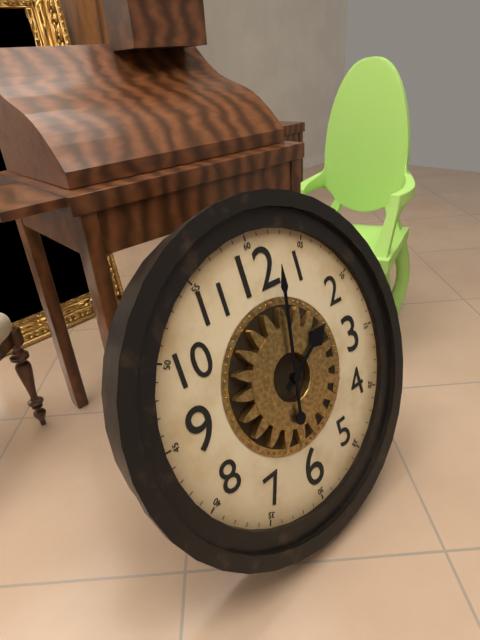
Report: {"hour": 2, "minute": 2}
